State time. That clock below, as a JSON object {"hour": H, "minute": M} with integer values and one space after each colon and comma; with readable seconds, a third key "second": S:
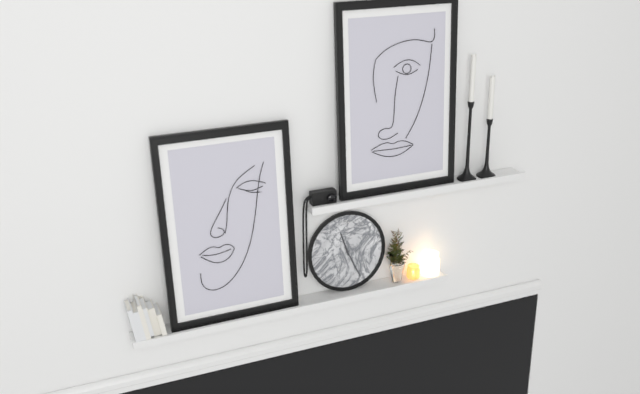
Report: {"hour": 11, "minute": 26}
